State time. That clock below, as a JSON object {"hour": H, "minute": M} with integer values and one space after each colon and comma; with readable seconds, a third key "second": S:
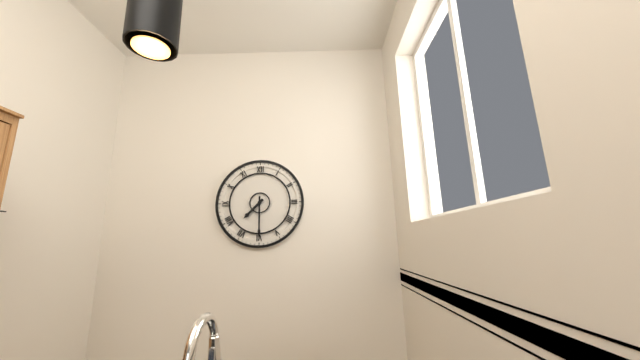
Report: {"hour": 7, "minute": 30}
